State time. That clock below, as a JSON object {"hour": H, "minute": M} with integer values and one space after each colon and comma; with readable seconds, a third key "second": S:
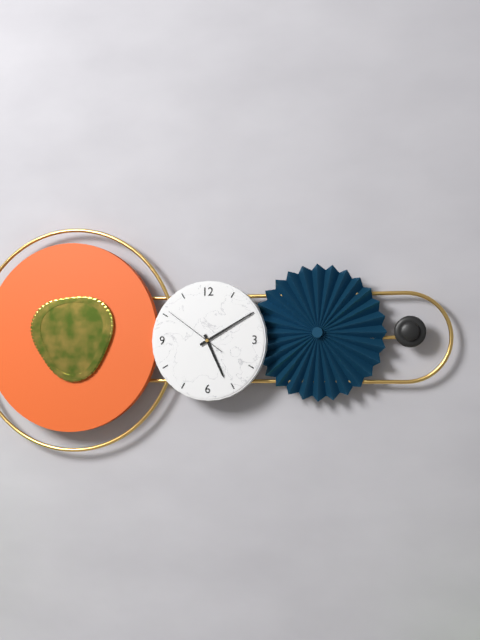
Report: {"hour": 5, "minute": 10, "second": 51}
